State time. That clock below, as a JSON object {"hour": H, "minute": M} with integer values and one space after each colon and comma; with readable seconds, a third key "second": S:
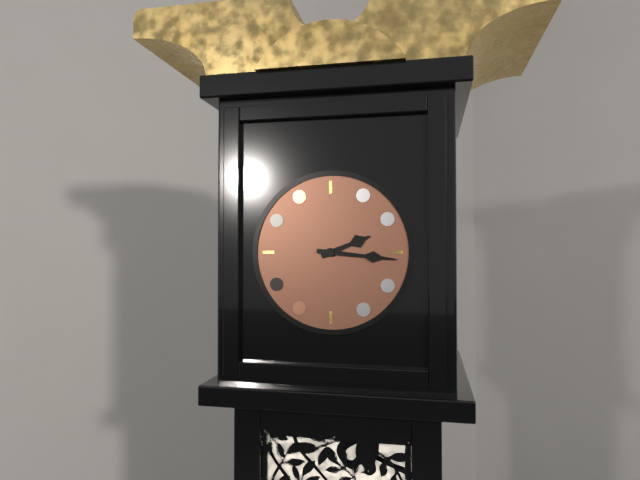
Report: {"hour": 2, "minute": 16}
